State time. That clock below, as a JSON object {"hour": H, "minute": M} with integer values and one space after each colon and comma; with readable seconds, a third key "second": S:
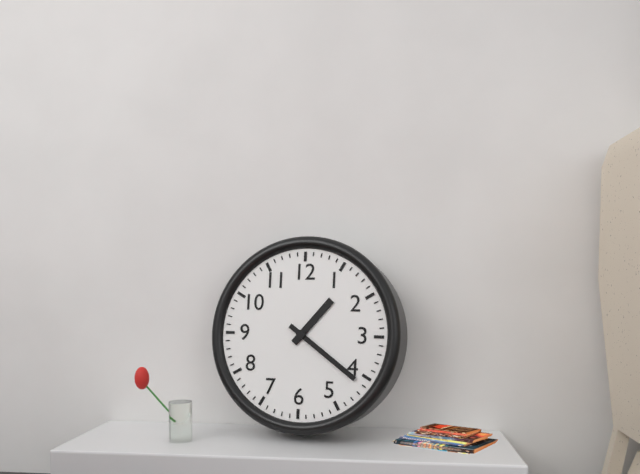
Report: {"hour": 1, "minute": 21}
